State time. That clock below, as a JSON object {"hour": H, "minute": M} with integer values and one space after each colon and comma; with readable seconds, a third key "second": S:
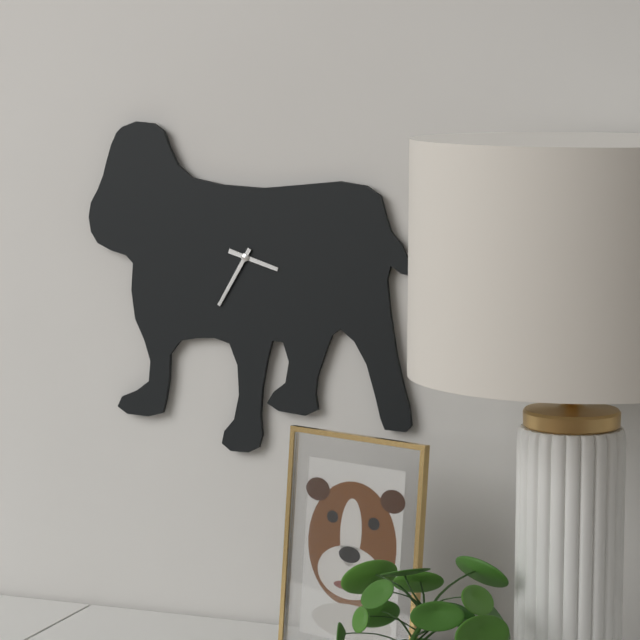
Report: {"hour": 3, "minute": 35}
